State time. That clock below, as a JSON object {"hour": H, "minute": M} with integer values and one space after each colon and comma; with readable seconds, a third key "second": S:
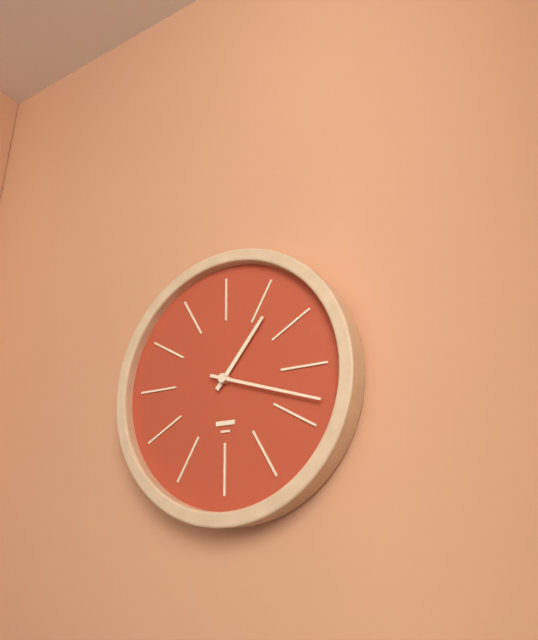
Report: {"hour": 1, "minute": 18}
